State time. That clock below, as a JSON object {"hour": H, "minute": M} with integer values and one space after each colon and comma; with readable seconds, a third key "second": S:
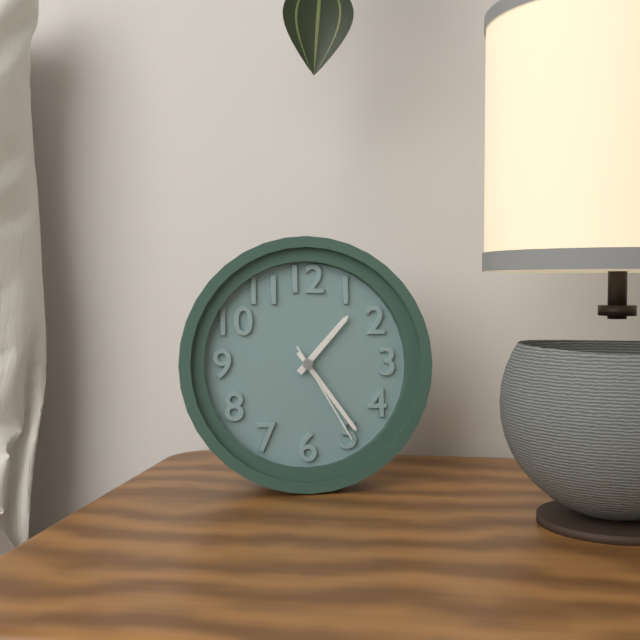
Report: {"hour": 1, "minute": 24, "second": 25}
